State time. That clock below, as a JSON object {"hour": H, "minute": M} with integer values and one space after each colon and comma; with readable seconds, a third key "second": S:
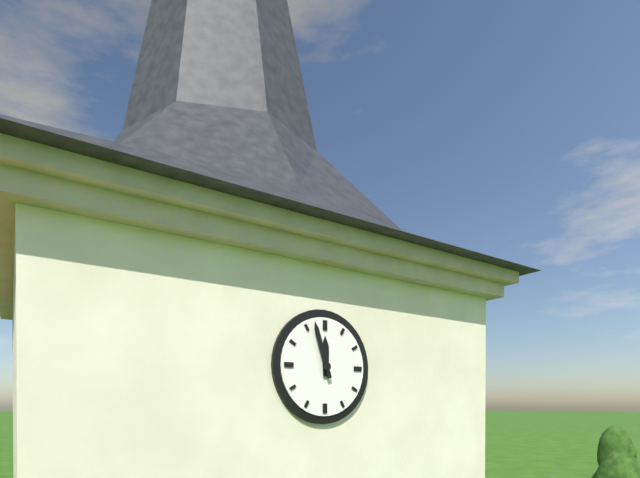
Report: {"hour": 11, "minute": 57}
